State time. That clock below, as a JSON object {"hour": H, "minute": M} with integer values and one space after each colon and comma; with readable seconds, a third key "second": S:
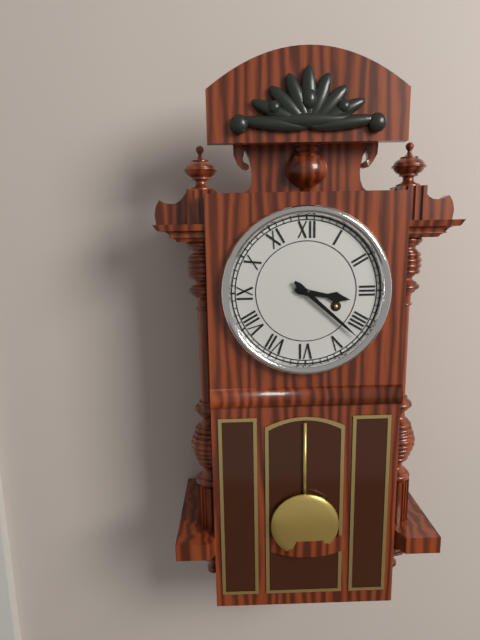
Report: {"hour": 3, "minute": 22}
